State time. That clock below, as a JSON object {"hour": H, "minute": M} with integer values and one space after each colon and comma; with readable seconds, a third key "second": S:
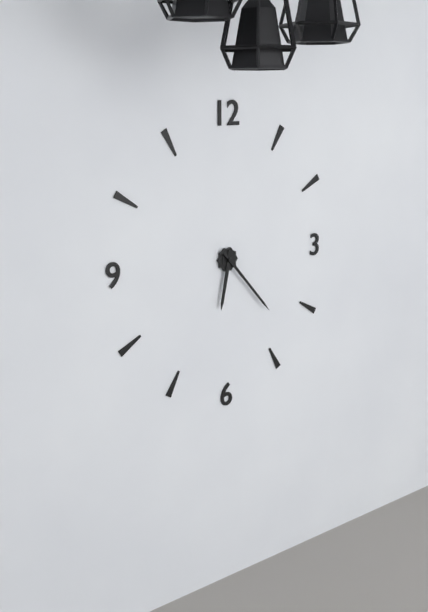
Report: {"hour": 6, "minute": 23}
